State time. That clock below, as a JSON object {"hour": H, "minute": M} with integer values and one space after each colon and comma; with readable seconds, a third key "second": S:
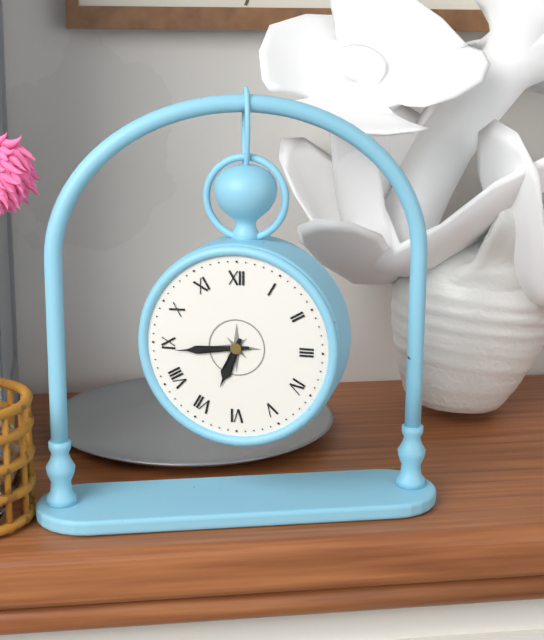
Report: {"hour": 6, "minute": 44}
